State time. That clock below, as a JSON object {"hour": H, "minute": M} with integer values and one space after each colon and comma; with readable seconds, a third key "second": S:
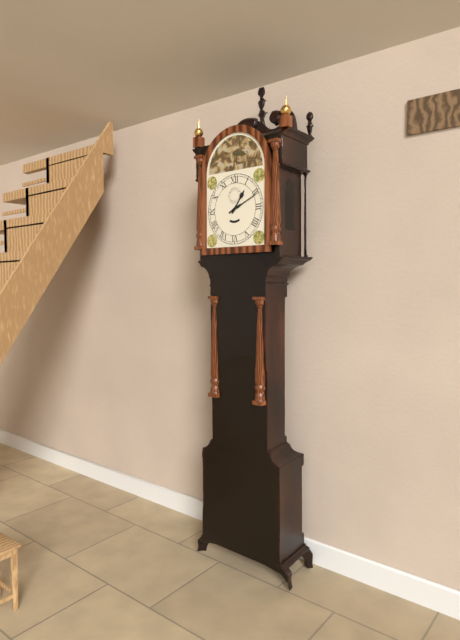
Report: {"hour": 1, "minute": 11}
